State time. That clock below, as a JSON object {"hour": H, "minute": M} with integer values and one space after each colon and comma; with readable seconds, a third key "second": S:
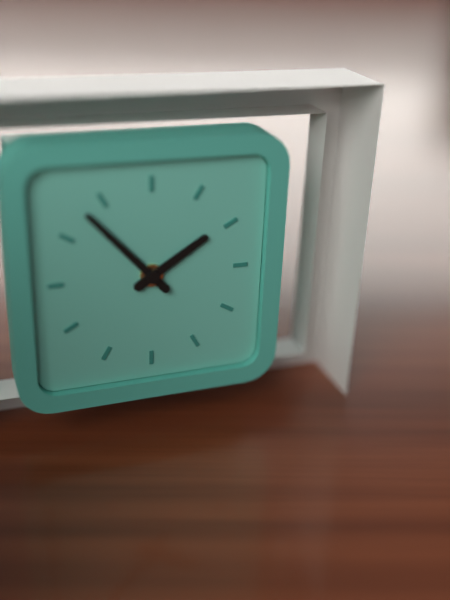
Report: {"hour": 1, "minute": 53}
